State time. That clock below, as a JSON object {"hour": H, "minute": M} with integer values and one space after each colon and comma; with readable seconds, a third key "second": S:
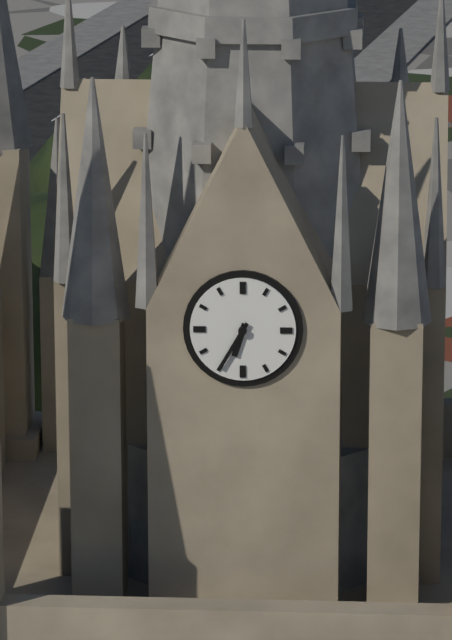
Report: {"hour": 6, "minute": 35}
